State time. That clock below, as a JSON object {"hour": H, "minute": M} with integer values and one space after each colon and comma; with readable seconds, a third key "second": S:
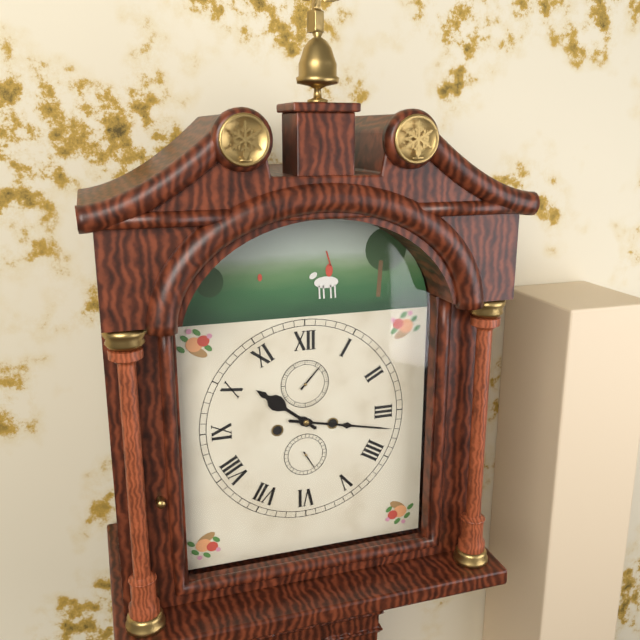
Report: {"hour": 10, "minute": 17}
